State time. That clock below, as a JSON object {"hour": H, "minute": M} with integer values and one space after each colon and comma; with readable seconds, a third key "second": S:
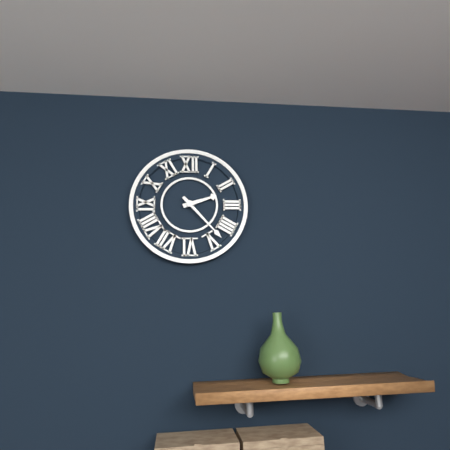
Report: {"hour": 2, "minute": 23}
